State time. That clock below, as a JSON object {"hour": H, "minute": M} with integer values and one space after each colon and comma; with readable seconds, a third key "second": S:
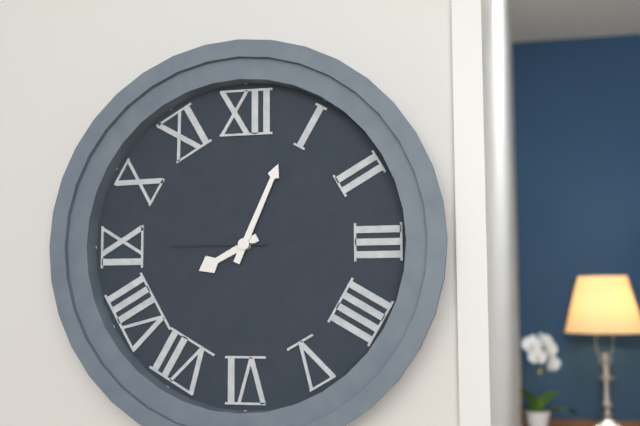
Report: {"hour": 8, "minute": 4, "second": 45}
